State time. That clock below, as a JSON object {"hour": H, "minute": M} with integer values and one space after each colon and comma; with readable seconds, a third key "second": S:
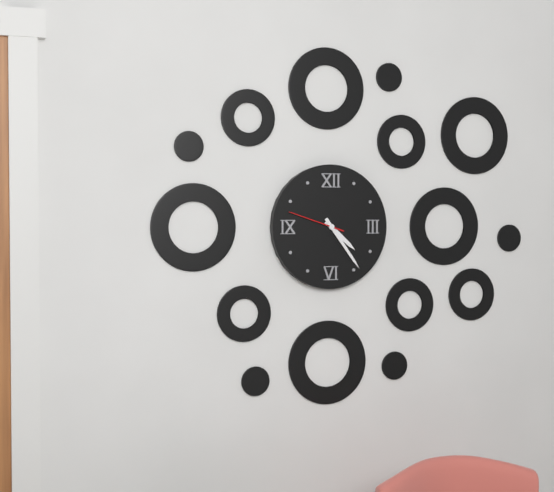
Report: {"hour": 4, "minute": 24, "second": 48}
